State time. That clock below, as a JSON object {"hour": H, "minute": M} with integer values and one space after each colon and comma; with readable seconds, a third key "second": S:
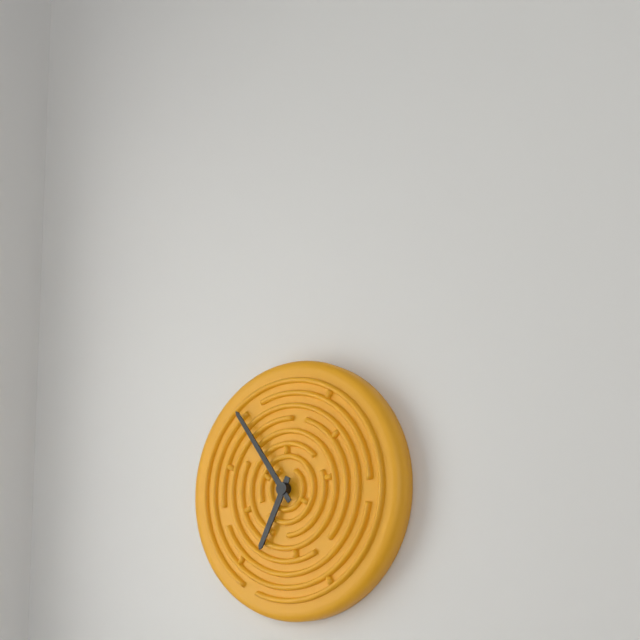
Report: {"hour": 6, "minute": 54}
